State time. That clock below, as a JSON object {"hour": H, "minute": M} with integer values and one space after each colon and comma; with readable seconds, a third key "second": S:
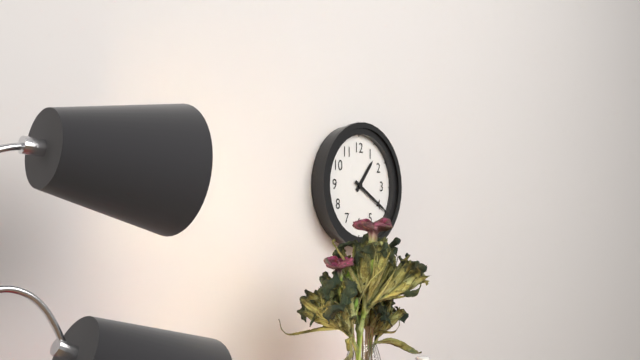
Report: {"hour": 1, "minute": 20}
